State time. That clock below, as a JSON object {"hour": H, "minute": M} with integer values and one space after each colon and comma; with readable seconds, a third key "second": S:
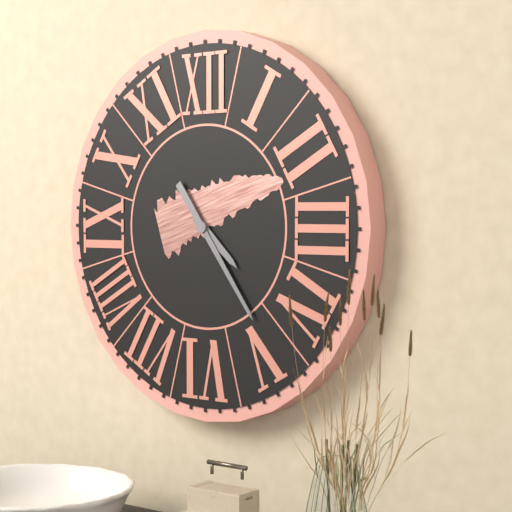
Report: {"hour": 4, "minute": 24}
